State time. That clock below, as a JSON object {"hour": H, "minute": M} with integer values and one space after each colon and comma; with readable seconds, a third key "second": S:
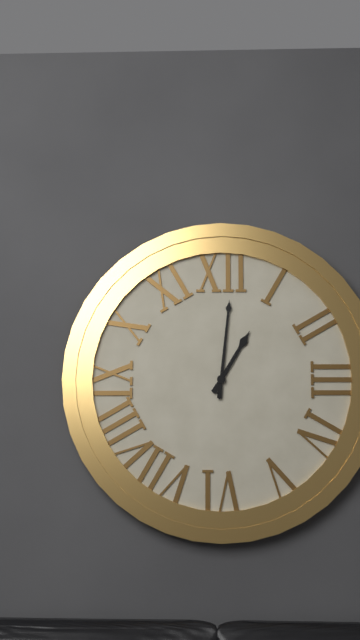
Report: {"hour": 1, "minute": 1}
